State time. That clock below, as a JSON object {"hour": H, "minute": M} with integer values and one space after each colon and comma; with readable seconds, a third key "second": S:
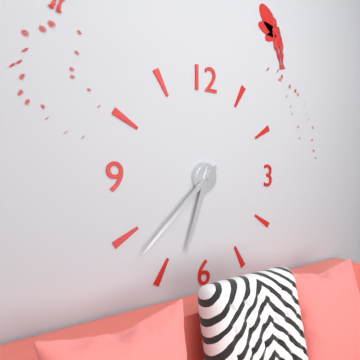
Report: {"hour": 6, "minute": 38}
